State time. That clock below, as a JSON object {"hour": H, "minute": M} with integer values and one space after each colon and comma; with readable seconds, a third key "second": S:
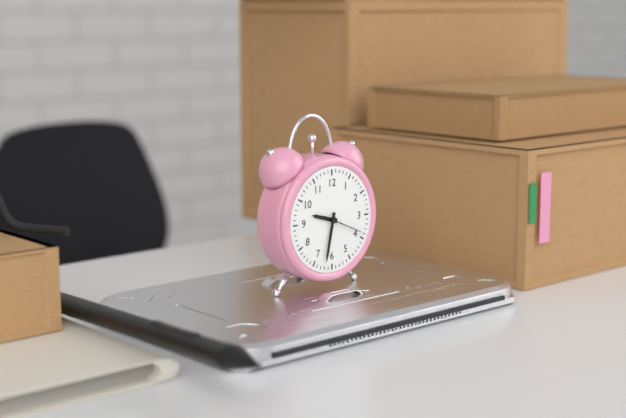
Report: {"hour": 9, "minute": 32}
